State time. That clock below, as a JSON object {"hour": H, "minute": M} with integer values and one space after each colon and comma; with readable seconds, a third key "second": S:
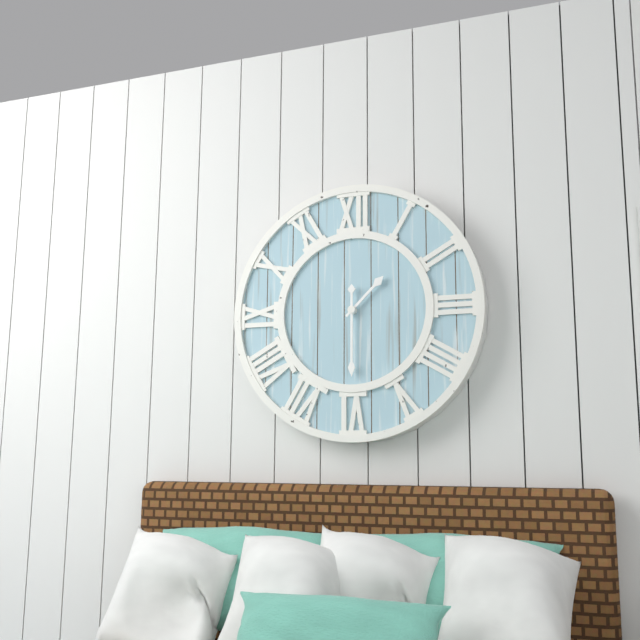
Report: {"hour": 1, "minute": 30}
